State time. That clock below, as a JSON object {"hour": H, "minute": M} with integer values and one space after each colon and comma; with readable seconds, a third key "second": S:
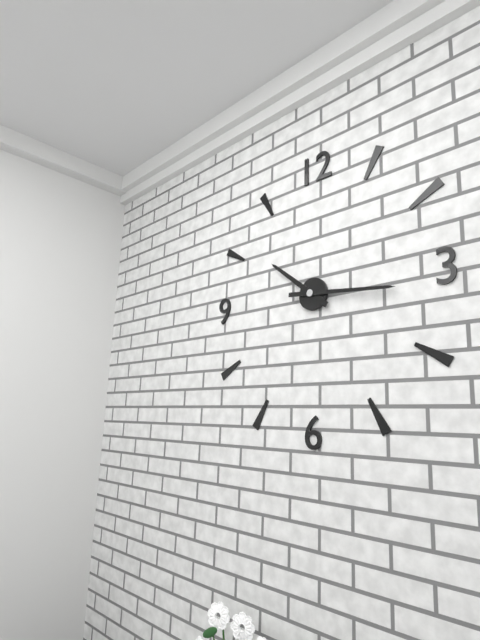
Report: {"hour": 10, "minute": 16}
